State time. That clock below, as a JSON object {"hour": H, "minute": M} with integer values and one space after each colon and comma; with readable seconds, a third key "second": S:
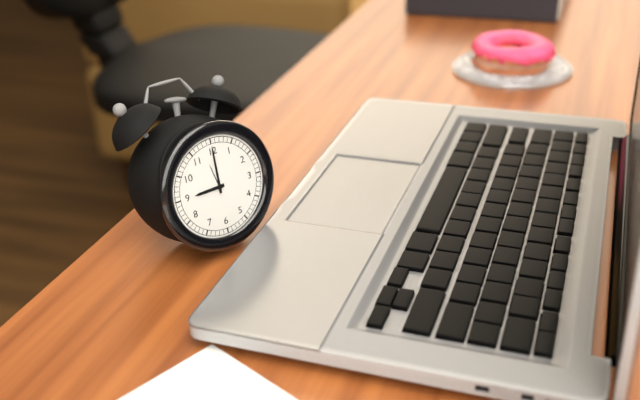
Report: {"hour": 9, "minute": 0}
